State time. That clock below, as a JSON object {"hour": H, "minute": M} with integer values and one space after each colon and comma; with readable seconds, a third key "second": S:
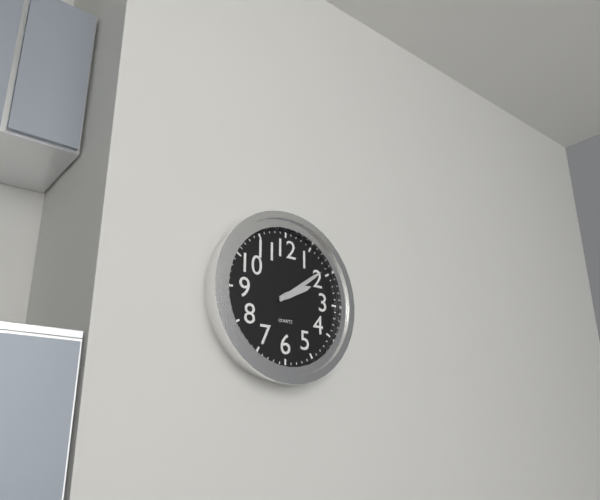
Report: {"hour": 2, "minute": 9}
